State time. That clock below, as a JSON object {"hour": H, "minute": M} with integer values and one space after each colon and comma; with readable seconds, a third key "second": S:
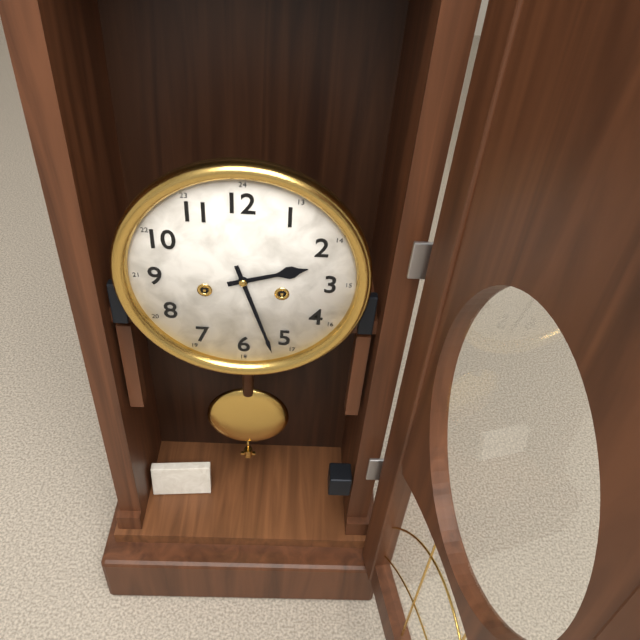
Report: {"hour": 2, "minute": 27}
